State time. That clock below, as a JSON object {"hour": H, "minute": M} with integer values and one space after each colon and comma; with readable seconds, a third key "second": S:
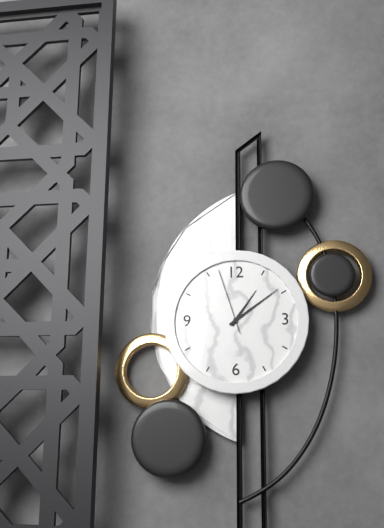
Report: {"hour": 1, "minute": 9, "second": 57}
